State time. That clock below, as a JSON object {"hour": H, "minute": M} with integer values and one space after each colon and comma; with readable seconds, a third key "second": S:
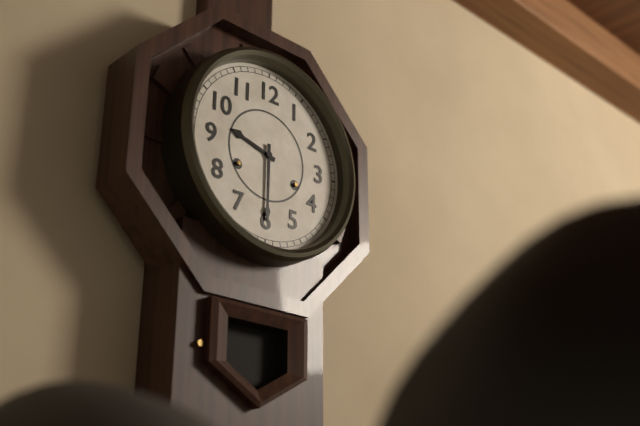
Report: {"hour": 9, "minute": 30}
